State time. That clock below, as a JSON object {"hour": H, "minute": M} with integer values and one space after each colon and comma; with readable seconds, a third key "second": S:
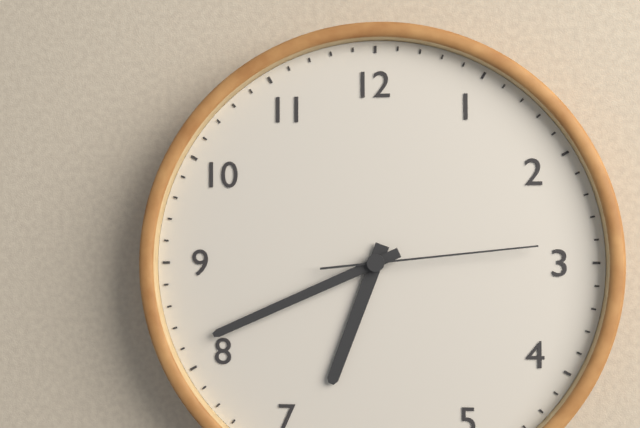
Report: {"hour": 6, "minute": 41, "second": 14}
